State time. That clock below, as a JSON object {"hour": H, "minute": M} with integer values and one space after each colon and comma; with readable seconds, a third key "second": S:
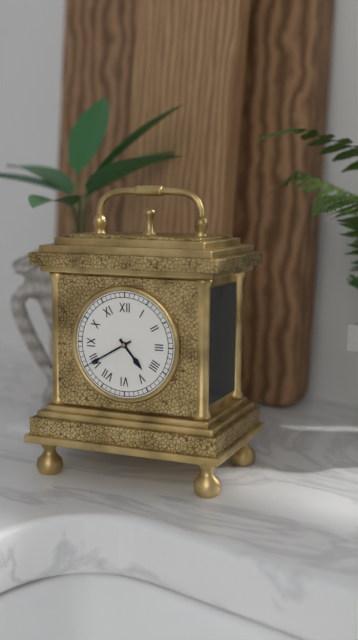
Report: {"hour": 4, "minute": 40}
